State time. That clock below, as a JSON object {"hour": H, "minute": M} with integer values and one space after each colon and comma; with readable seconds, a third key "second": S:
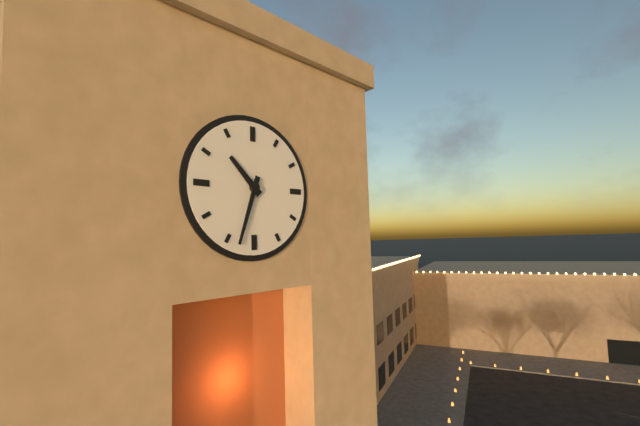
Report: {"hour": 10, "minute": 33}
